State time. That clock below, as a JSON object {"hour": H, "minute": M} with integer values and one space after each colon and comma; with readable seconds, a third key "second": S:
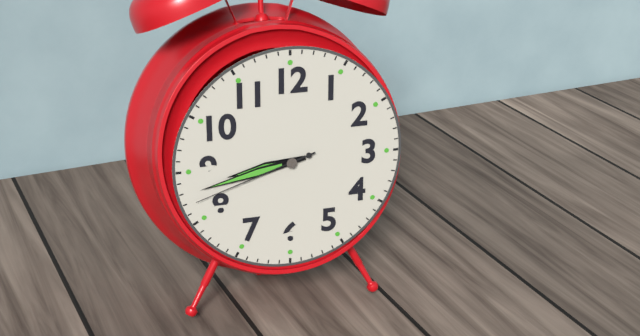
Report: {"hour": 8, "minute": 43, "second": 42}
